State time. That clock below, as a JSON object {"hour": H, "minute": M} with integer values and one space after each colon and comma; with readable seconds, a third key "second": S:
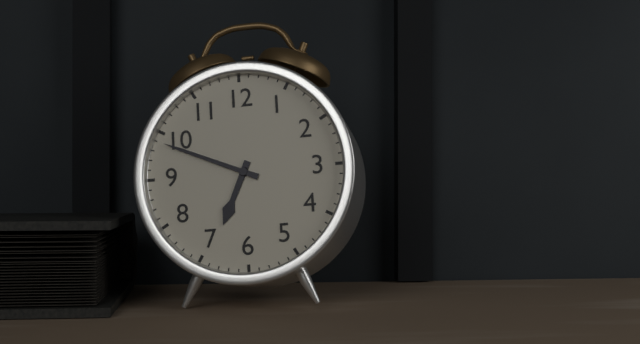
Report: {"hour": 6, "minute": 49}
